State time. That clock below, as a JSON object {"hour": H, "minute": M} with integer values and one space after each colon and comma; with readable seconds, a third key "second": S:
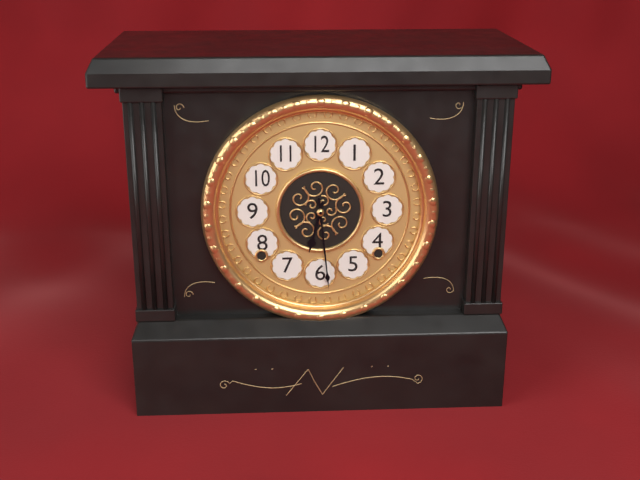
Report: {"hour": 6, "minute": 29}
